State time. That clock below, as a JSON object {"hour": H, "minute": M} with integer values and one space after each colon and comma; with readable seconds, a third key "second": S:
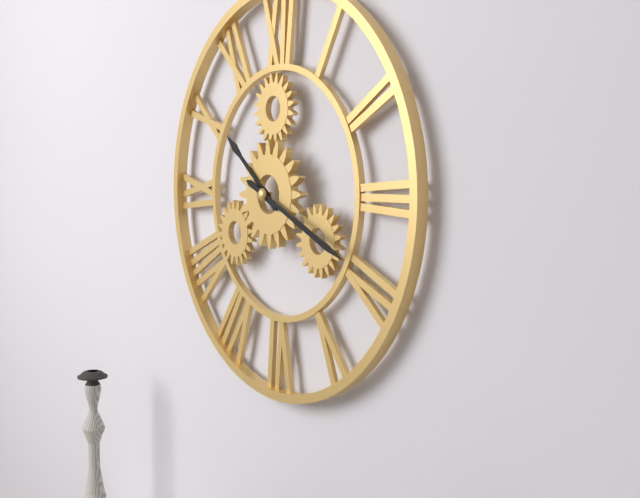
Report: {"hour": 10, "minute": 19}
